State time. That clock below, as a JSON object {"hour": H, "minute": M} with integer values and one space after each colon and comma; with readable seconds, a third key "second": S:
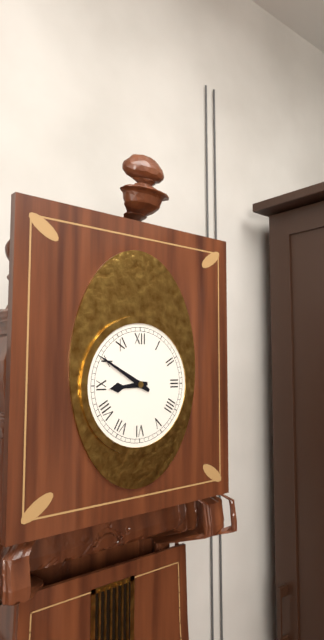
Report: {"hour": 8, "minute": 50}
